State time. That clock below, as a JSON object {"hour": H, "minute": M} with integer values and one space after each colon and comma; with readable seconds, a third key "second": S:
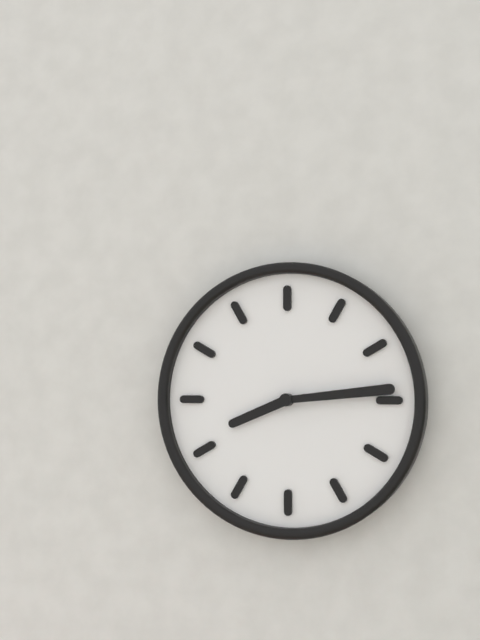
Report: {"hour": 8, "minute": 14}
